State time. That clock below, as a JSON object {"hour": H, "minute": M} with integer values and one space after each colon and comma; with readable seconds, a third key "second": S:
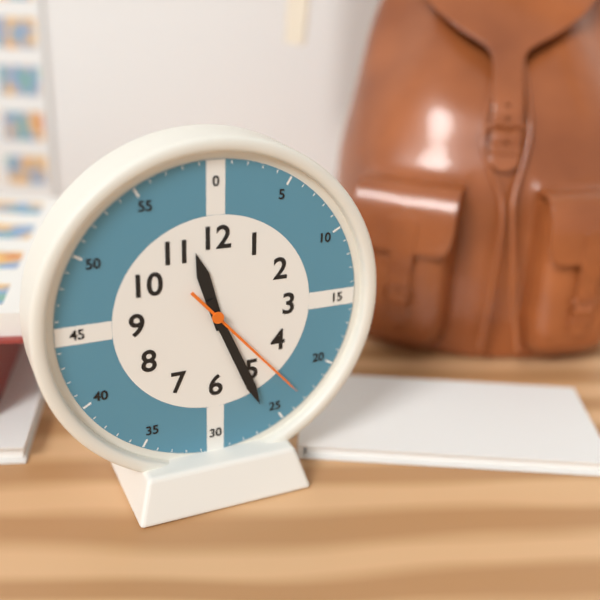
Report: {"hour": 11, "minute": 26, "second": 23}
